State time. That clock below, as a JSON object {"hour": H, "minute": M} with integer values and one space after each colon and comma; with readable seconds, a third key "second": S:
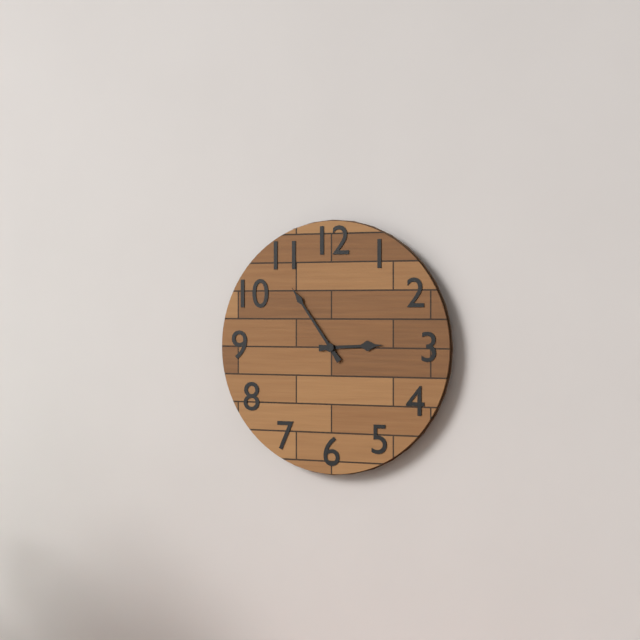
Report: {"hour": 2, "minute": 54}
